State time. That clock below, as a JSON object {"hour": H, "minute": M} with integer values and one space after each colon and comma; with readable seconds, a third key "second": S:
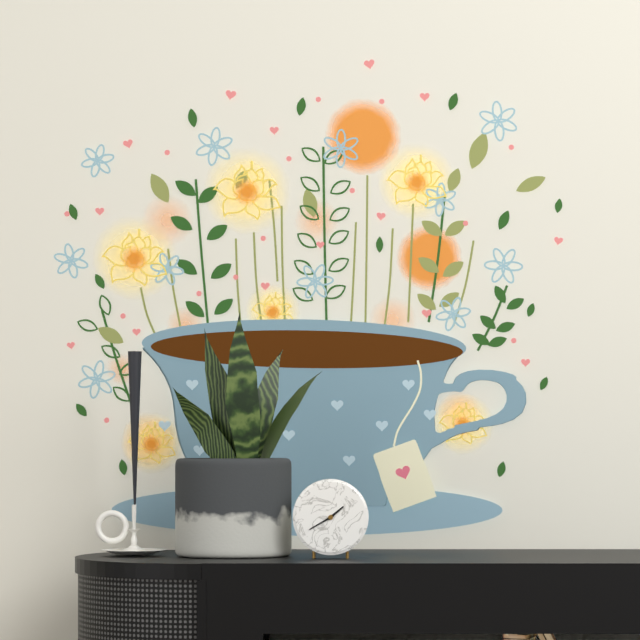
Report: {"hour": 1, "minute": 40}
